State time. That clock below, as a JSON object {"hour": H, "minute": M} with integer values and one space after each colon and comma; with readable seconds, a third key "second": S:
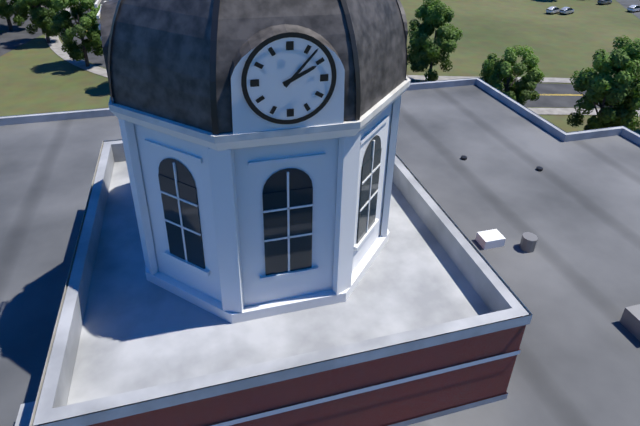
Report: {"hour": 2, "minute": 7}
